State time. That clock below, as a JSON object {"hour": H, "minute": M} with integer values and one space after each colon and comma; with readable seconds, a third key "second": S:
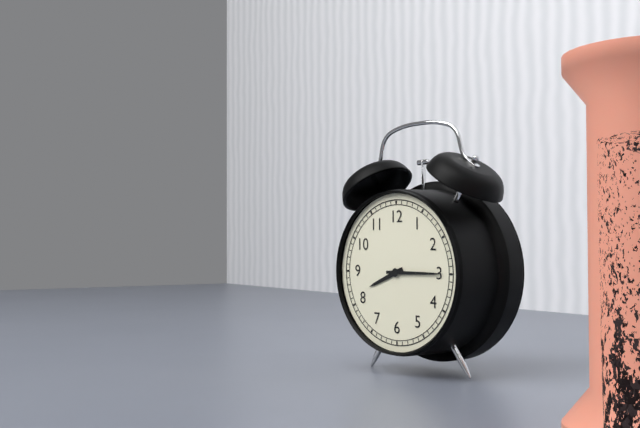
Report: {"hour": 8, "minute": 15}
